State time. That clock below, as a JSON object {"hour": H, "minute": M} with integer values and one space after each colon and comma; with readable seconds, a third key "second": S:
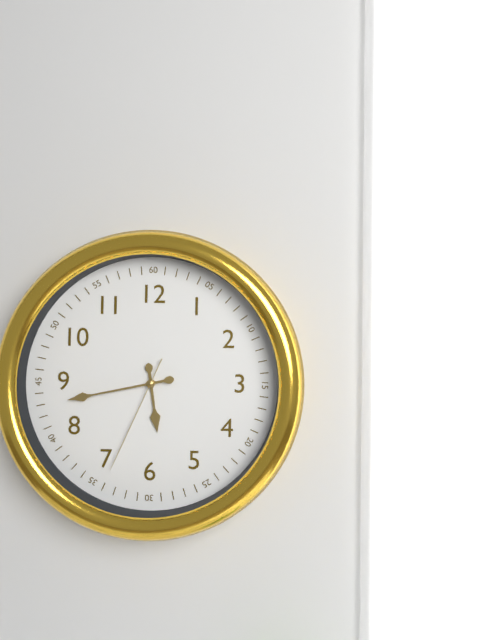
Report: {"hour": 5, "minute": 43, "second": 34}
